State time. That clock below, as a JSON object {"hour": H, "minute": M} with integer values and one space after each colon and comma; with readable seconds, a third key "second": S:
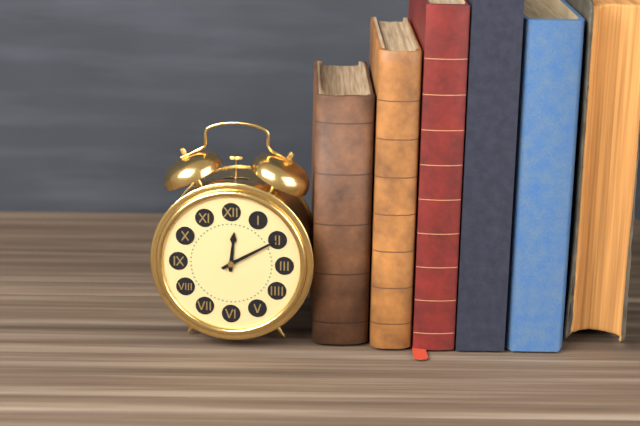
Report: {"hour": 12, "minute": 10}
